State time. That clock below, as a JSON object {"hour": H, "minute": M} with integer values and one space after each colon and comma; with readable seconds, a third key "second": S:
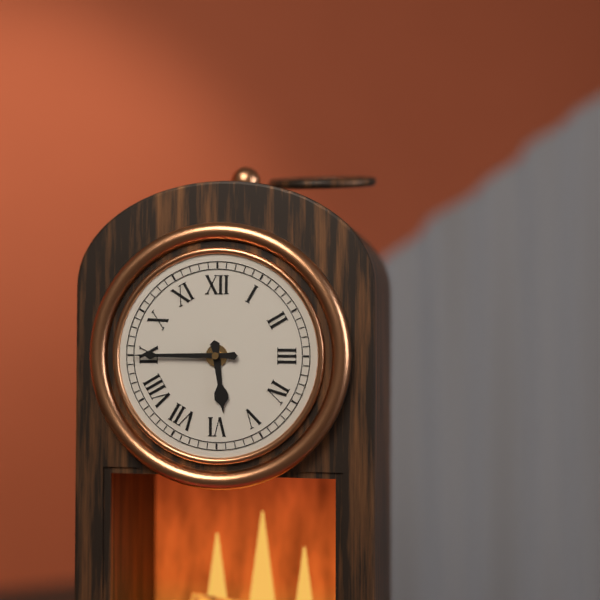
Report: {"hour": 5, "minute": 45}
